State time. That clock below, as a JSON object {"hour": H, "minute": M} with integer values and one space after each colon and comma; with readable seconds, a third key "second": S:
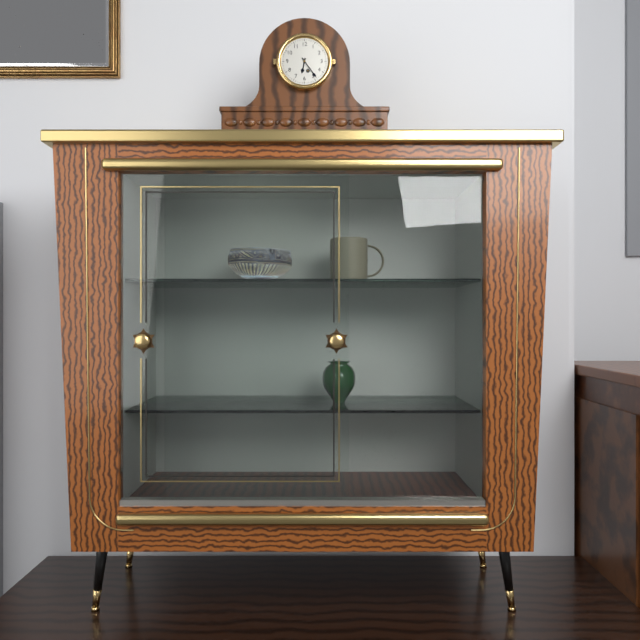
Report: {"hour": 6, "minute": 24}
